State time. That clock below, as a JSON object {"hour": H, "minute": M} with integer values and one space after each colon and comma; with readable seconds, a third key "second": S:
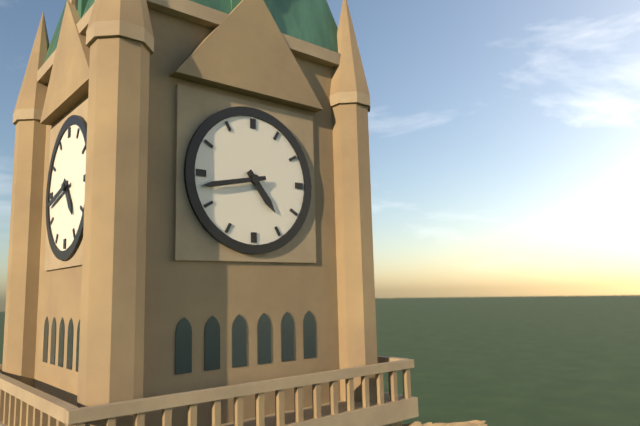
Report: {"hour": 4, "minute": 43}
